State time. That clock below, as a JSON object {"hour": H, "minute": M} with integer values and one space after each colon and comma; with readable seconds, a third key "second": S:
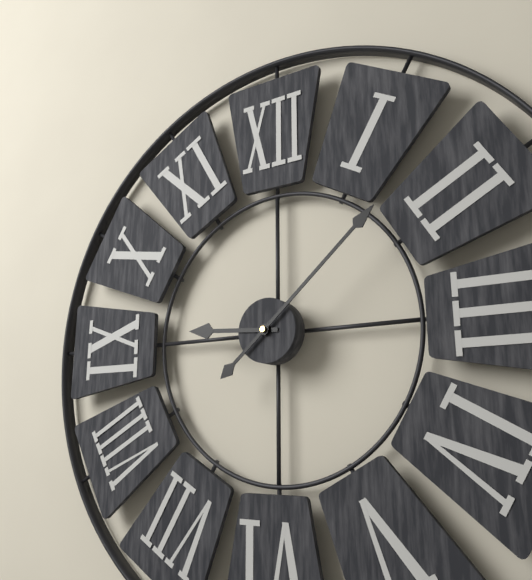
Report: {"hour": 9, "minute": 8}
